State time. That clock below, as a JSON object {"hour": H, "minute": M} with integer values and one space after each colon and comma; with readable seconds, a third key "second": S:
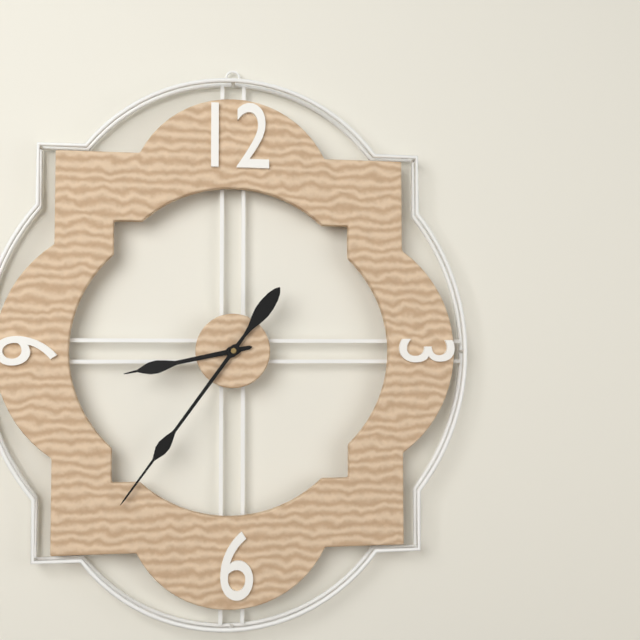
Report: {"hour": 8, "minute": 36}
